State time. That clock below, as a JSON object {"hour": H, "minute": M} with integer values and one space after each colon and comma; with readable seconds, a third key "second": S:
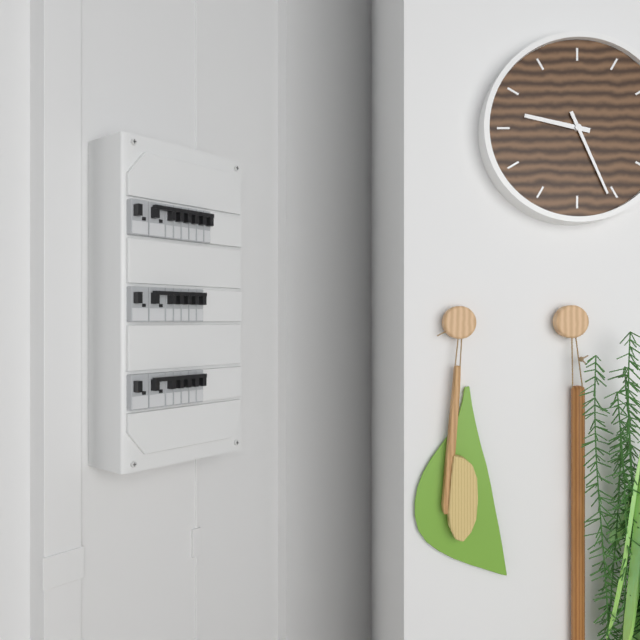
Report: {"hour": 9, "minute": 26}
